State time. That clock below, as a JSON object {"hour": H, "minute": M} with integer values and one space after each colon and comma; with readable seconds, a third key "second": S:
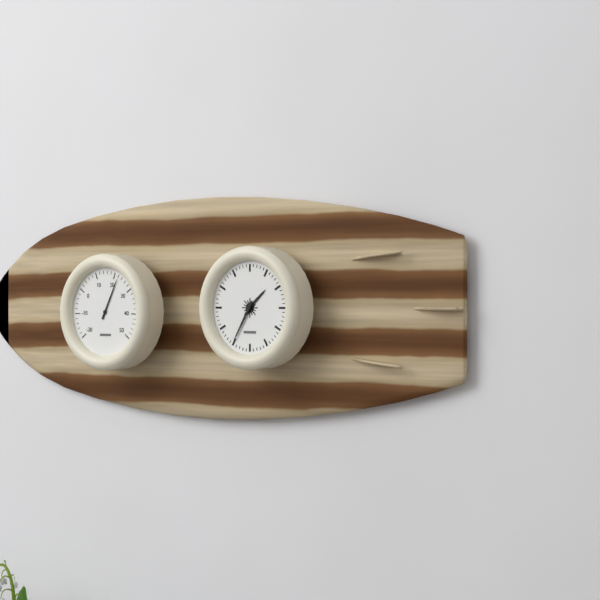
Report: {"hour": 1, "minute": 35}
